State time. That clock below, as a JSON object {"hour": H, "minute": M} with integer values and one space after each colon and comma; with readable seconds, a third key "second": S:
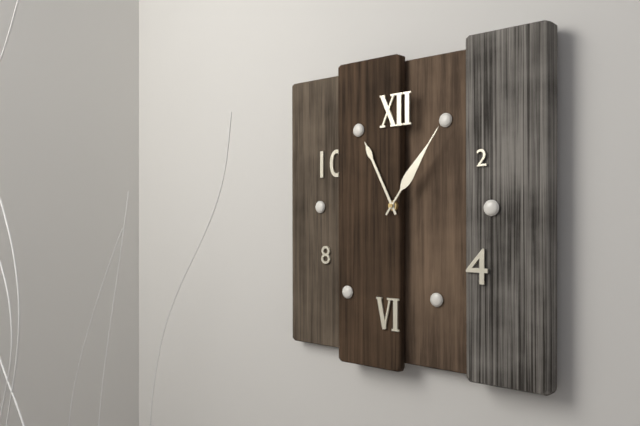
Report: {"hour": 11, "minute": 6}
